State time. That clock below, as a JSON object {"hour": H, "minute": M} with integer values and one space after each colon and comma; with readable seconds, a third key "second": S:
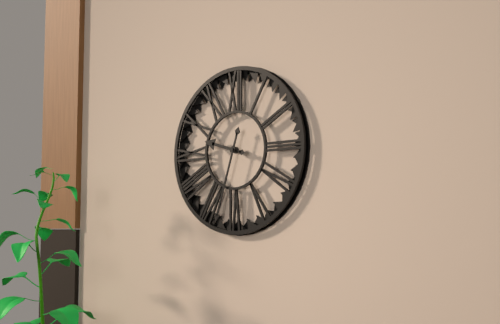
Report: {"hour": 9, "minute": 33}
